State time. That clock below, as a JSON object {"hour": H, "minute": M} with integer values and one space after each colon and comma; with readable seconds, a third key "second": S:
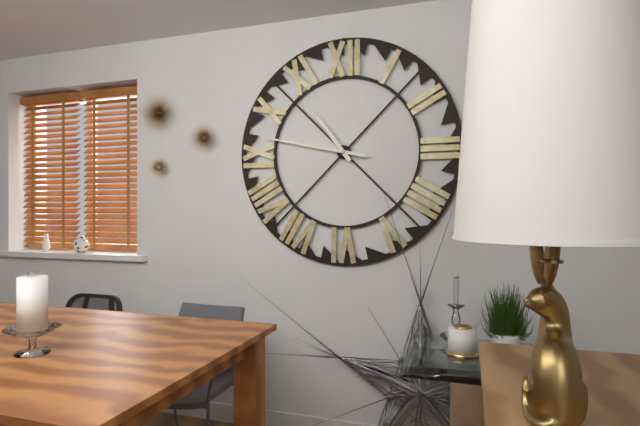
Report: {"hour": 10, "minute": 47}
